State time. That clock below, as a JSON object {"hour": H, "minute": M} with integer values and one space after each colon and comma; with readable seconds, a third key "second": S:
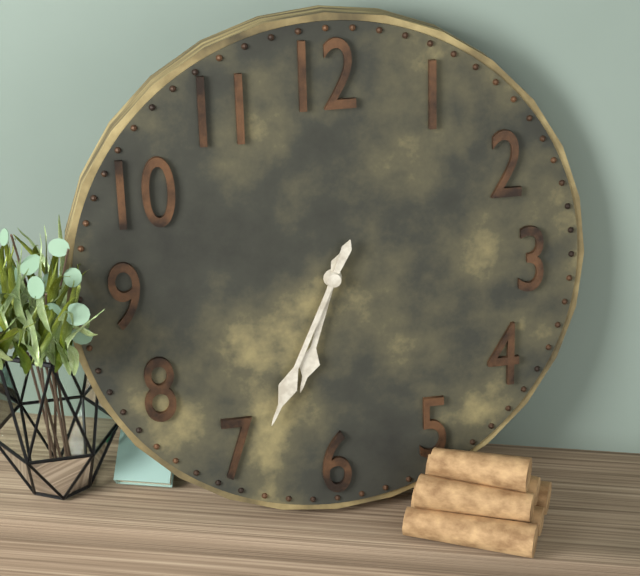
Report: {"hour": 6, "minute": 34}
